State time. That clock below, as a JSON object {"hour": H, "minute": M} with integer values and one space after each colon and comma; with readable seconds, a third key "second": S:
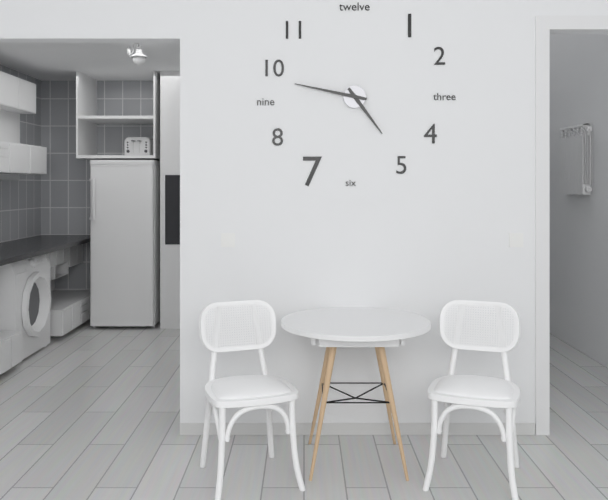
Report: {"hour": 4, "minute": 47}
